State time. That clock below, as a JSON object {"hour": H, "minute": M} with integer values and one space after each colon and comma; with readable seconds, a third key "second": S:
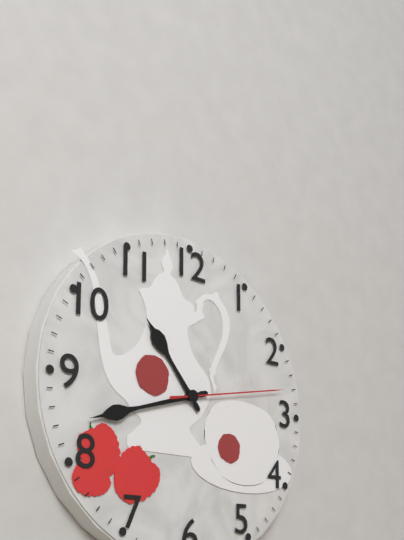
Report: {"hour": 10, "minute": 42, "second": 13}
